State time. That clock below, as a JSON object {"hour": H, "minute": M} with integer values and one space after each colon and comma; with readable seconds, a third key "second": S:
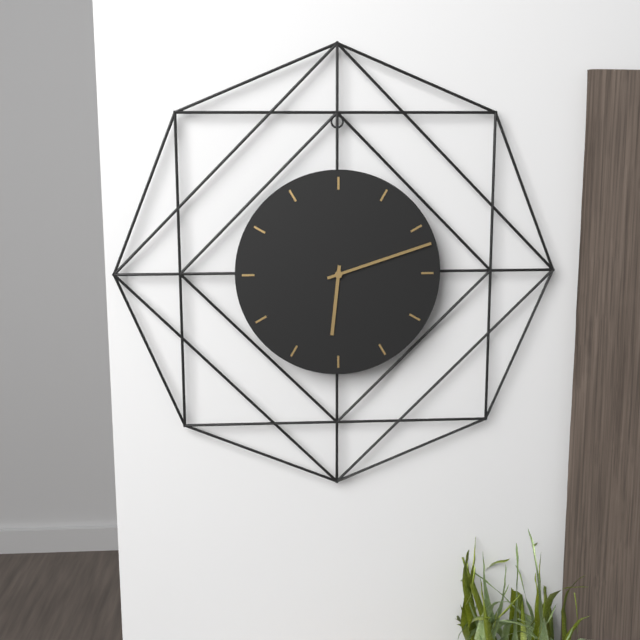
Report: {"hour": 6, "minute": 12}
